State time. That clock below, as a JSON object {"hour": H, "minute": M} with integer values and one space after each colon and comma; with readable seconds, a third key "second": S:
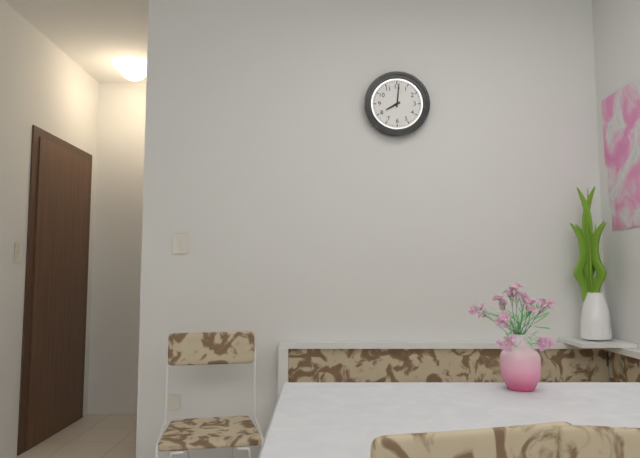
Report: {"hour": 8, "minute": 1}
